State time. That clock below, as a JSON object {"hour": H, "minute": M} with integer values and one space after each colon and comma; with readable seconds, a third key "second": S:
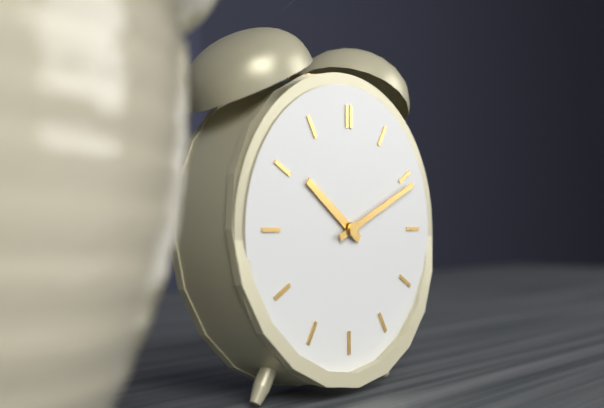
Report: {"hour": 10, "minute": 11}
